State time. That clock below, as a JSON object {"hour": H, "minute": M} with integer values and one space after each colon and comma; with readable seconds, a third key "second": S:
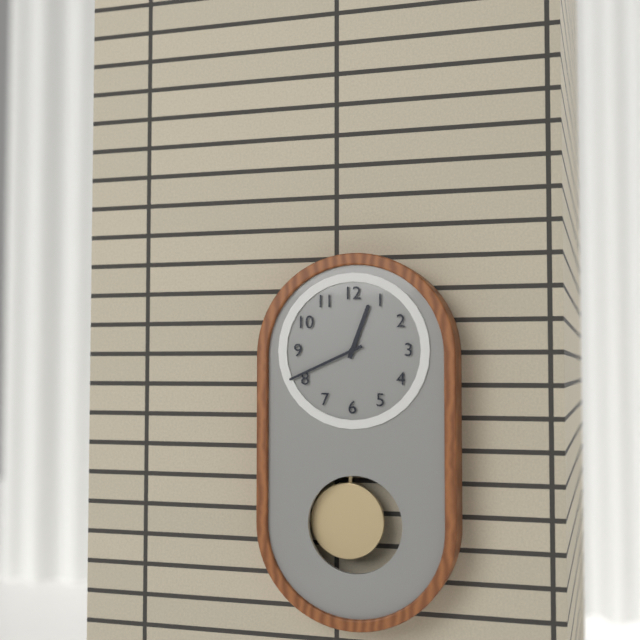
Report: {"hour": 12, "minute": 41}
